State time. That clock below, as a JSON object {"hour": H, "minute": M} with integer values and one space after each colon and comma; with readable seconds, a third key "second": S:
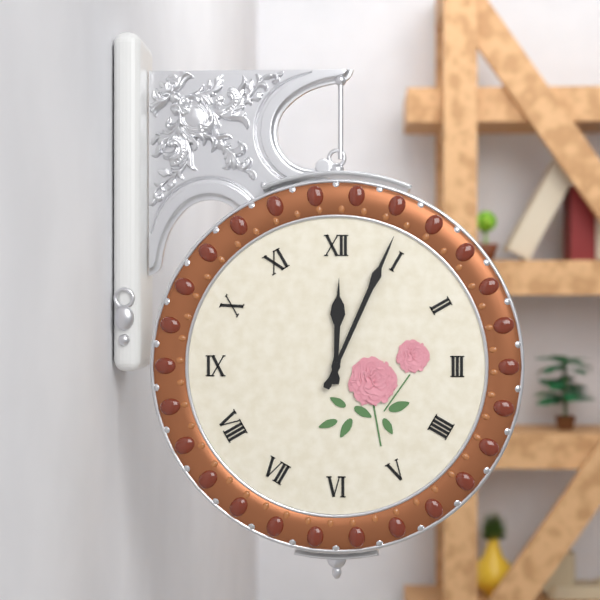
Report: {"hour": 12, "minute": 4}
